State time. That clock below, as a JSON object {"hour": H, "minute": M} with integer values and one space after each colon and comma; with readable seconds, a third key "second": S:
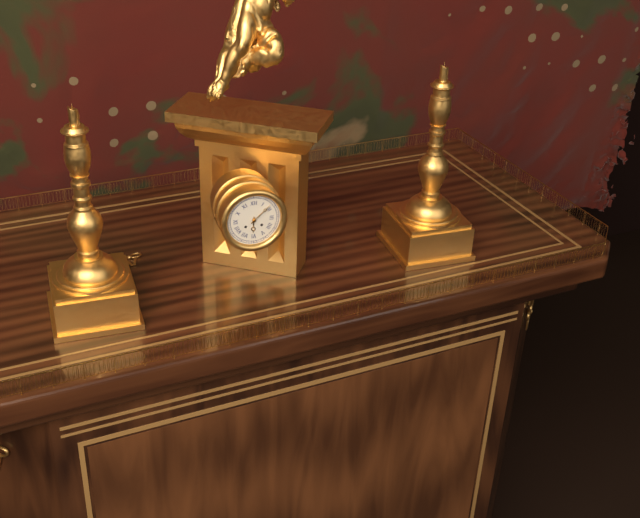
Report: {"hour": 6, "minute": 8}
